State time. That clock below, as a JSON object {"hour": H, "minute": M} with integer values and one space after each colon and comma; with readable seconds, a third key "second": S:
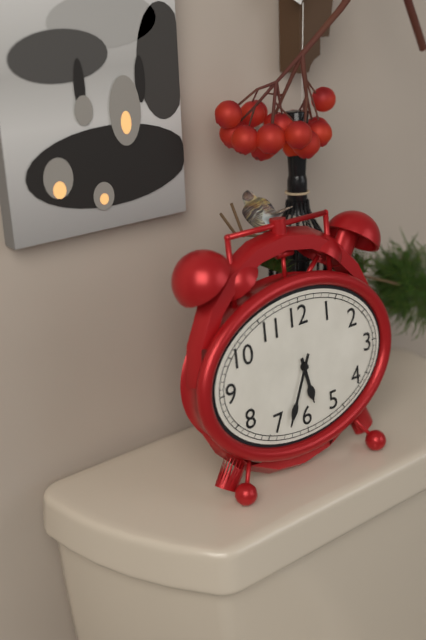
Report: {"hour": 5, "minute": 34}
